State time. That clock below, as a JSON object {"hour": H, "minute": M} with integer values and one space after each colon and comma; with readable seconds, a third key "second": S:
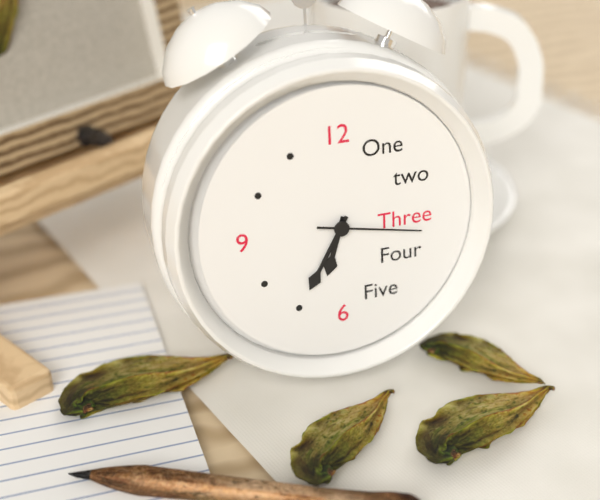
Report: {"hour": 6, "minute": 35, "second": 17}
